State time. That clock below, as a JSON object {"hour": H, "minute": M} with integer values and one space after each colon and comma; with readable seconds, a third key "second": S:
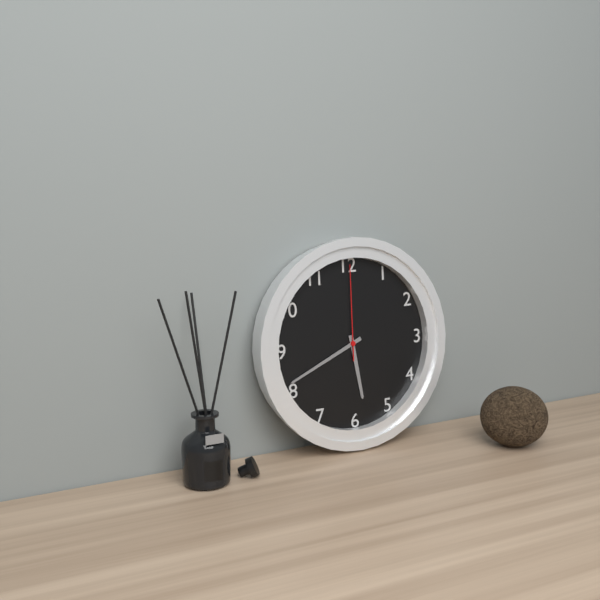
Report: {"hour": 5, "minute": 41, "second": 0}
